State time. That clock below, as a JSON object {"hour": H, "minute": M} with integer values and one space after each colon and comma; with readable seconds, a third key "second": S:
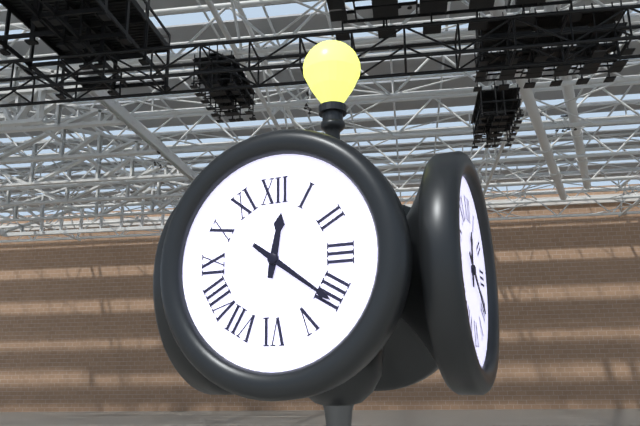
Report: {"hour": 12, "minute": 21}
